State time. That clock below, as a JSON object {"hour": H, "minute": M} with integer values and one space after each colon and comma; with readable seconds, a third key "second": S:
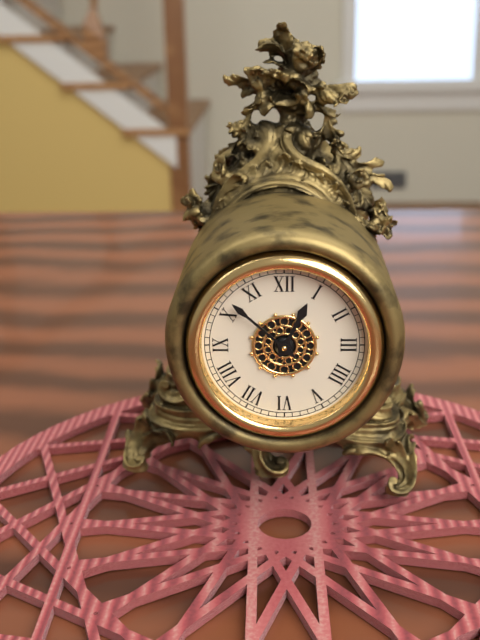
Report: {"hour": 12, "minute": 52}
